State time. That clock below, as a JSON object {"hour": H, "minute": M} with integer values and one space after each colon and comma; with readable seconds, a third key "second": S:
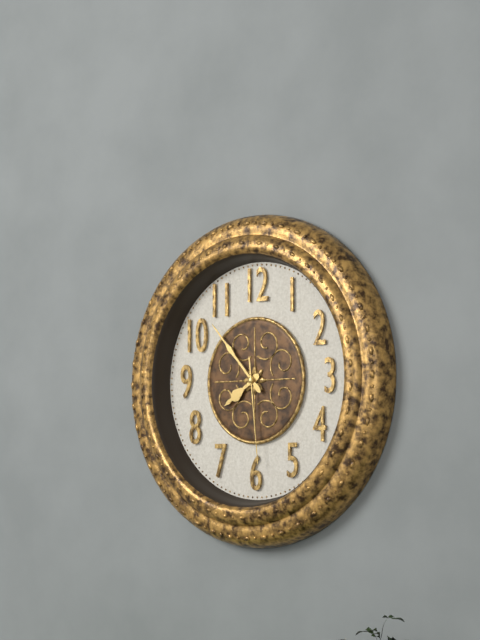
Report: {"hour": 7, "minute": 53, "second": 29}
